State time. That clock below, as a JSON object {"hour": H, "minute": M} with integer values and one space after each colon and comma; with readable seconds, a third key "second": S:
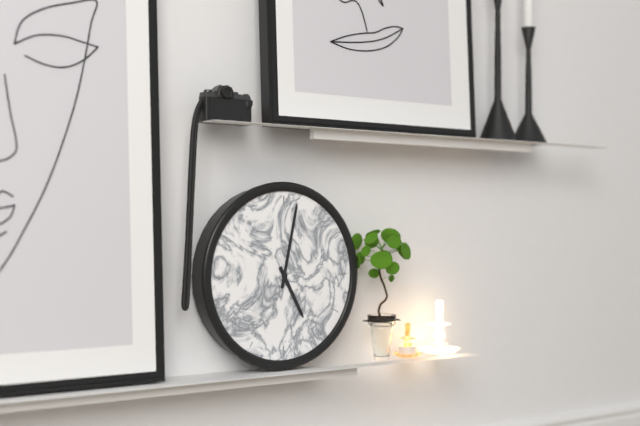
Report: {"hour": 5, "minute": 2}
